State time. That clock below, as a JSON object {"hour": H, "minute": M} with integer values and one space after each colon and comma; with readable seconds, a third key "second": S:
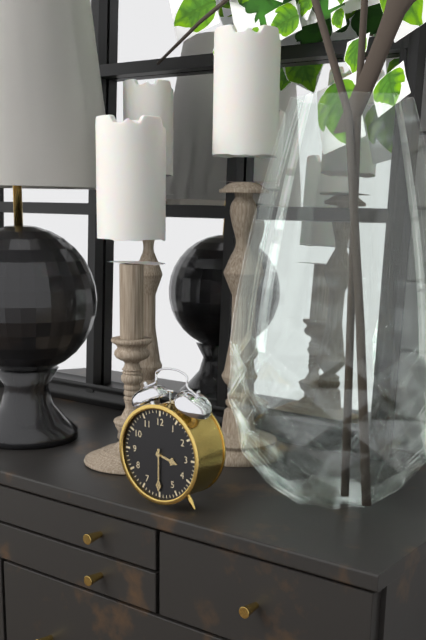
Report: {"hour": 3, "minute": 30}
